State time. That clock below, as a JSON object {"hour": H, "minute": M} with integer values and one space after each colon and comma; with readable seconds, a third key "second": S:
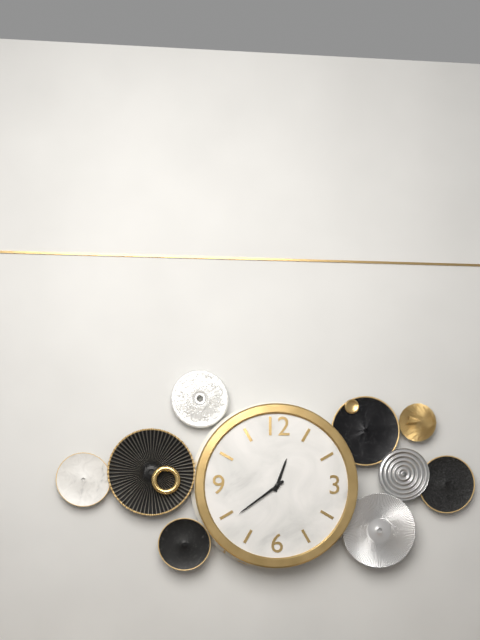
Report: {"hour": 12, "minute": 39}
